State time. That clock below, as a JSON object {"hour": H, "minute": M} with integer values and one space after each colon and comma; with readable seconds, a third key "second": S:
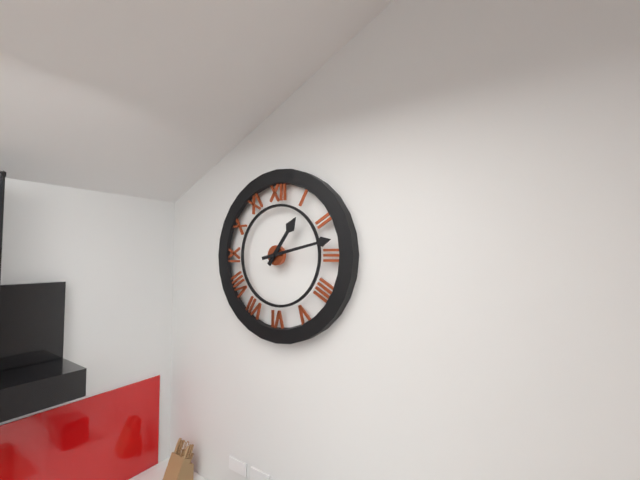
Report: {"hour": 1, "minute": 13}
